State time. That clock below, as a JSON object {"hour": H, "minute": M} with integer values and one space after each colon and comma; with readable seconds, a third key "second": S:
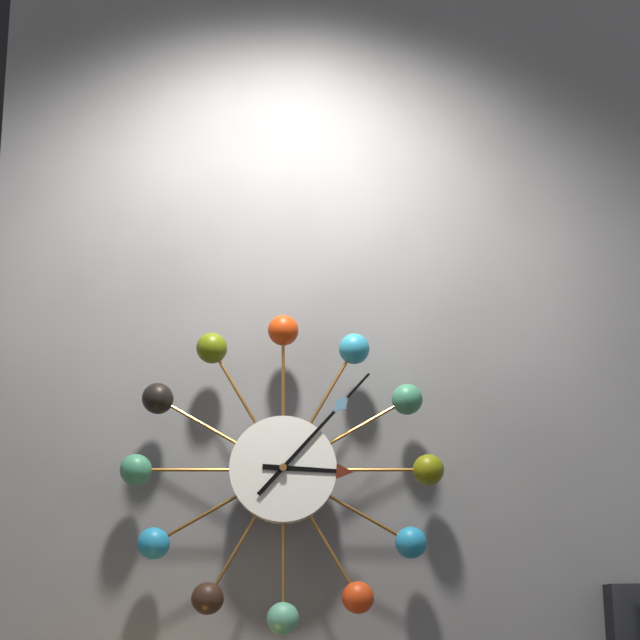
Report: {"hour": 3, "minute": 7}
